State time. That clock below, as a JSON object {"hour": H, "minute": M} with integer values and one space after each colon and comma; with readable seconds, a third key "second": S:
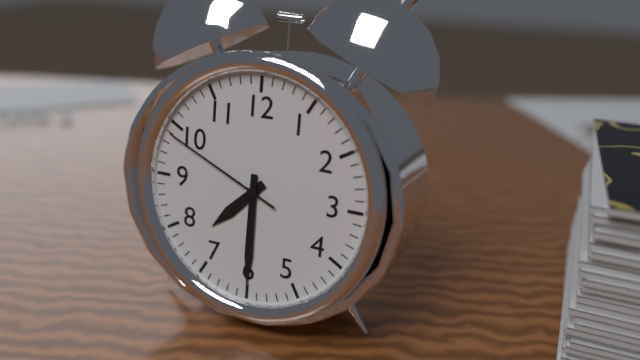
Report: {"hour": 7, "minute": 30, "second": 49}
